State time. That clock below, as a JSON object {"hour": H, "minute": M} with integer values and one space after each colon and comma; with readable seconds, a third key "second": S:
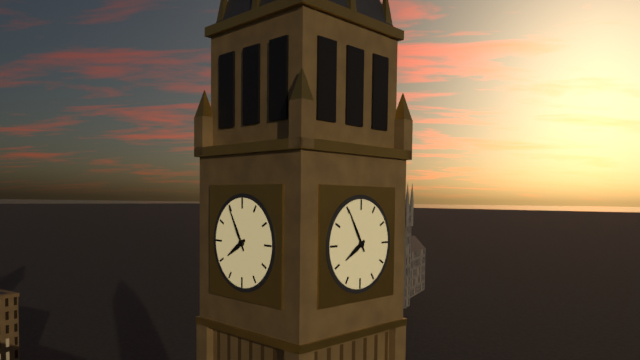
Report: {"hour": 7, "minute": 55}
